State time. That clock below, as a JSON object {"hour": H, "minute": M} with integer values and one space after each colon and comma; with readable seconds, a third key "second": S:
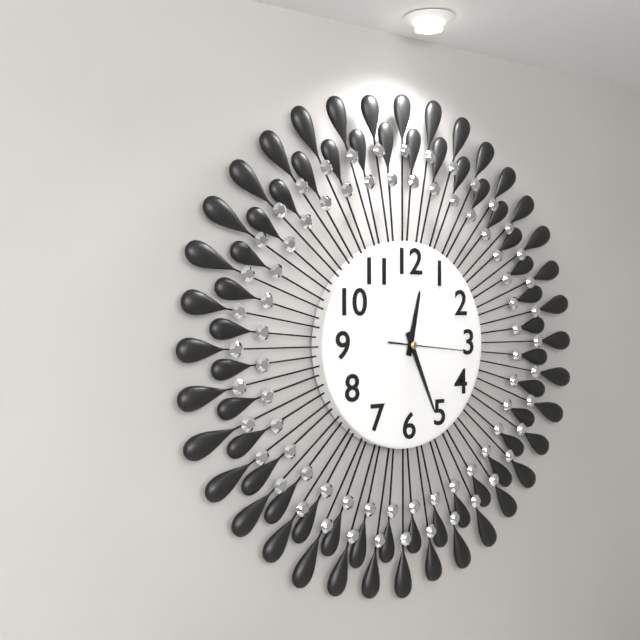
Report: {"hour": 12, "minute": 26, "second": 16}
